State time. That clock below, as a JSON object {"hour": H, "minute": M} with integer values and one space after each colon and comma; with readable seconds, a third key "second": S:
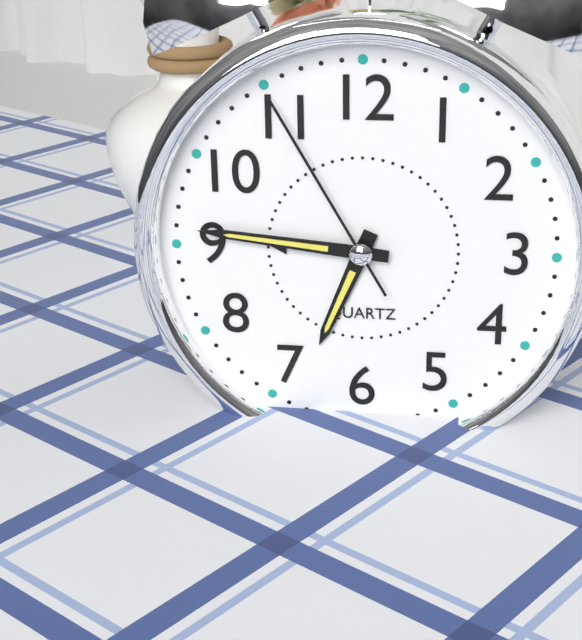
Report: {"hour": 6, "minute": 46, "second": 55}
